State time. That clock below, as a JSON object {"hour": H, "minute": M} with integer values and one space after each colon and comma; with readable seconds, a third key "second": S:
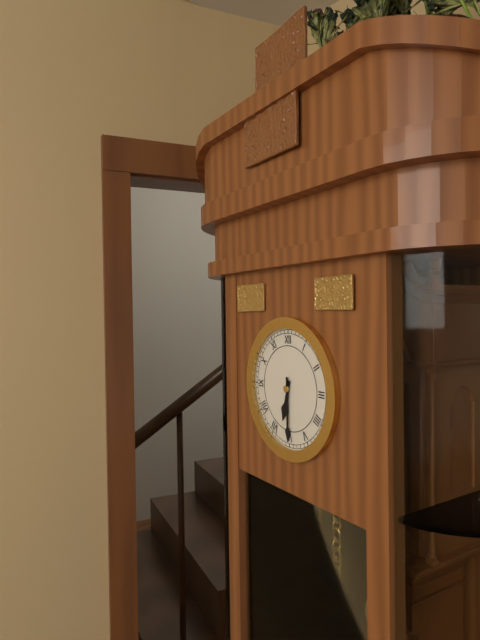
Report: {"hour": 6, "minute": 30}
